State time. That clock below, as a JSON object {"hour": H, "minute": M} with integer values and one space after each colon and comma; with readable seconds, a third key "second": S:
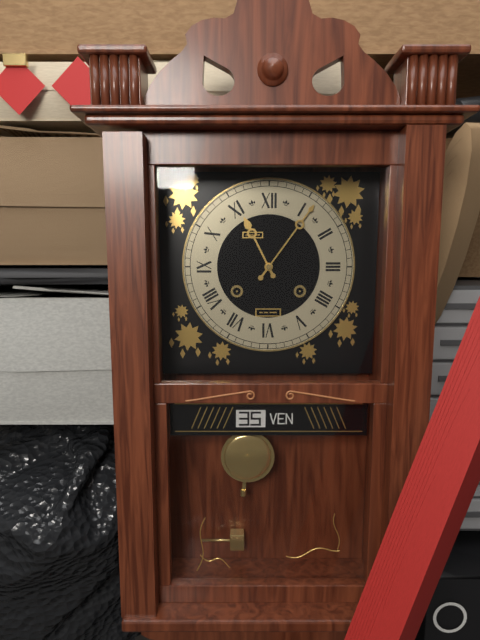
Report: {"hour": 11, "minute": 6}
